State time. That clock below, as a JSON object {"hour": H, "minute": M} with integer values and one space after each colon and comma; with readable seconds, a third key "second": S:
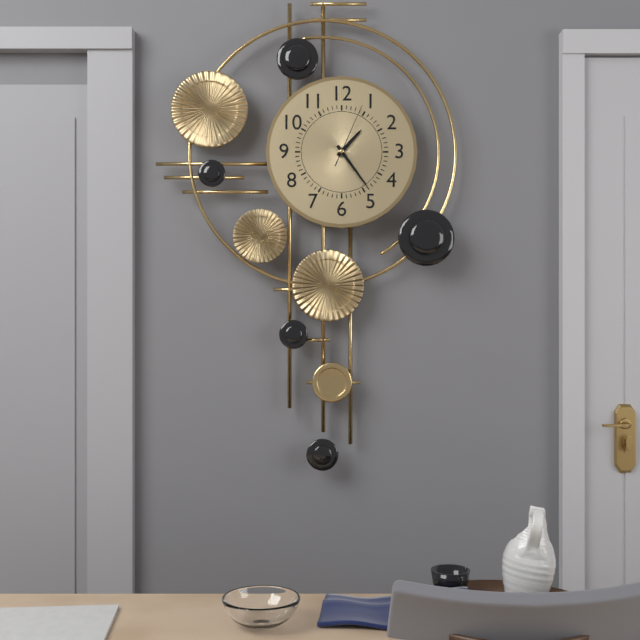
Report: {"hour": 1, "minute": 24, "second": 4}
